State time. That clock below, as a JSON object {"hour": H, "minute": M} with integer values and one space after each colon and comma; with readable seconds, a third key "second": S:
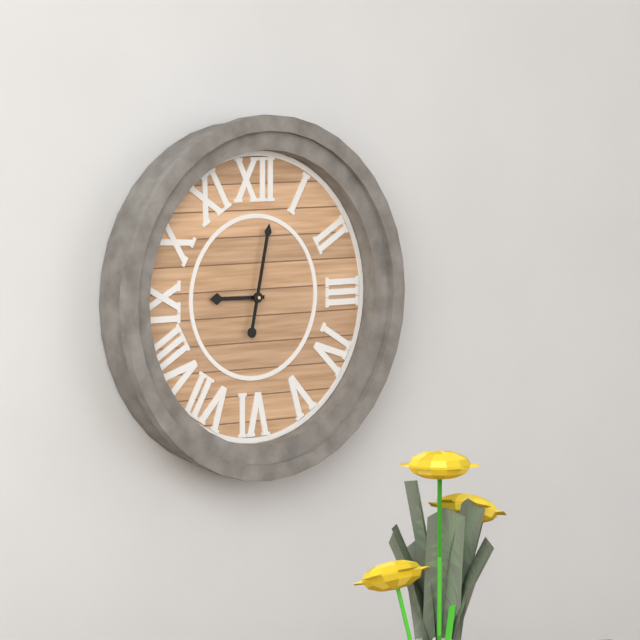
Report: {"hour": 9, "minute": 2}
